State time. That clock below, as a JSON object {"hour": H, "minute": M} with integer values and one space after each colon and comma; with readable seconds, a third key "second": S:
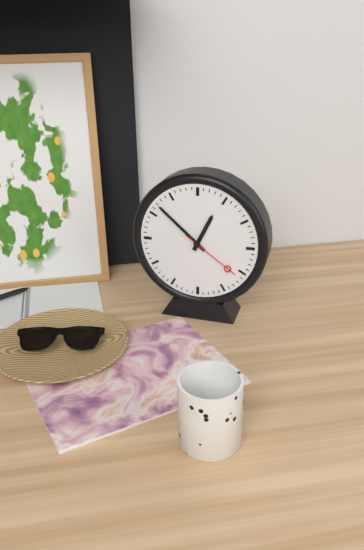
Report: {"hour": 12, "minute": 52, "second": 21}
